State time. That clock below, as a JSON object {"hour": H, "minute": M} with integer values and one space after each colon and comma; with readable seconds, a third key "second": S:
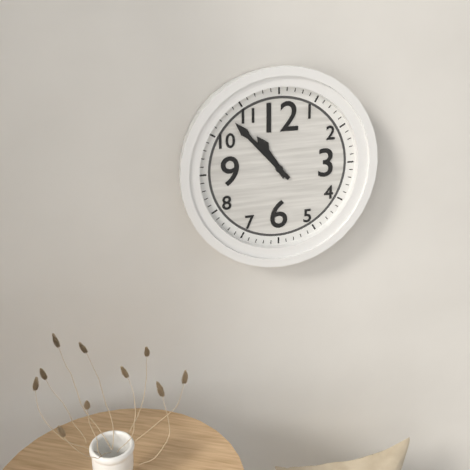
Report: {"hour": 10, "minute": 53}
